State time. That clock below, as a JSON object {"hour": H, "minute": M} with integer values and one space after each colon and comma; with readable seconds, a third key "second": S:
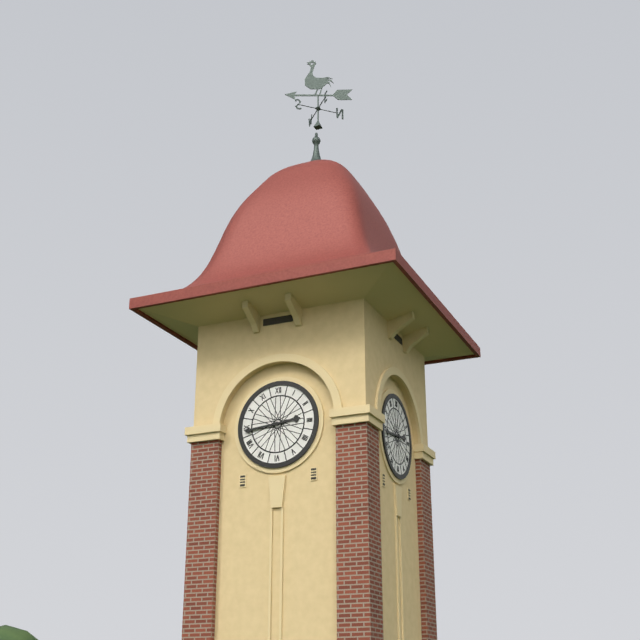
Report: {"hour": 2, "minute": 44}
